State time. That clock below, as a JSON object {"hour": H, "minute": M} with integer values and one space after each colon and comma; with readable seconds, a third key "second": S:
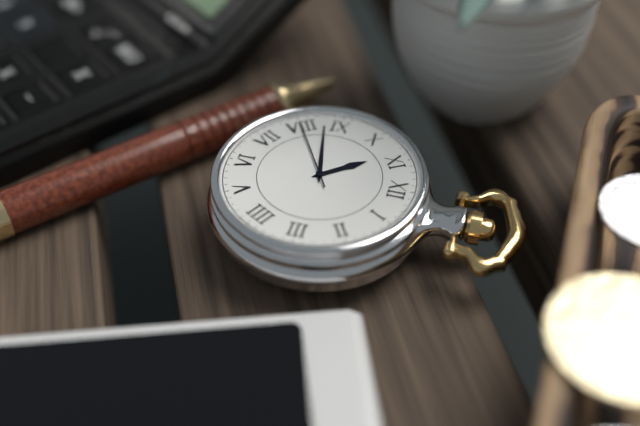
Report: {"hour": 10, "minute": 43, "second": 40}
